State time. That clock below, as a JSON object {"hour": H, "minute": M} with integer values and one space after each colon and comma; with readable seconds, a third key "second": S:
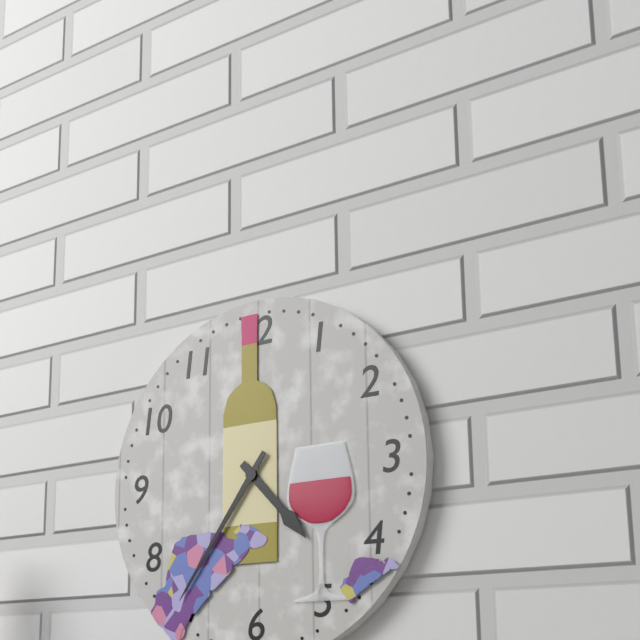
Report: {"hour": 4, "minute": 36}
